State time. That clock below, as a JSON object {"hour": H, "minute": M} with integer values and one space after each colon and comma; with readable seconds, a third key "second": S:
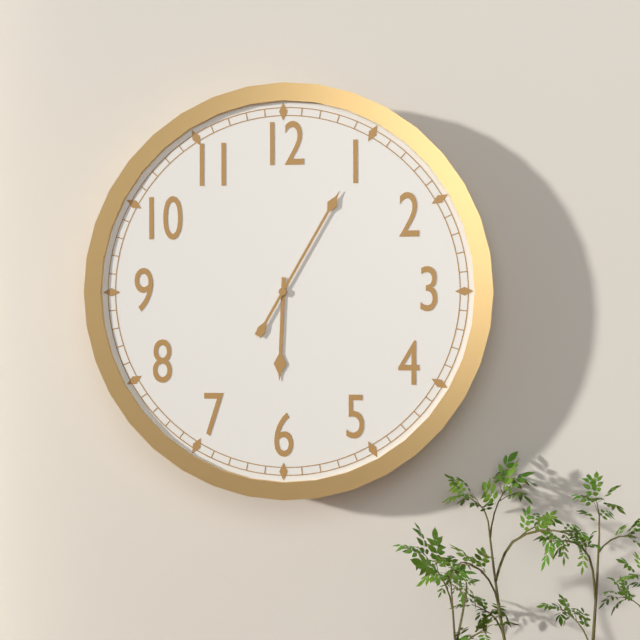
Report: {"hour": 6, "minute": 5}
